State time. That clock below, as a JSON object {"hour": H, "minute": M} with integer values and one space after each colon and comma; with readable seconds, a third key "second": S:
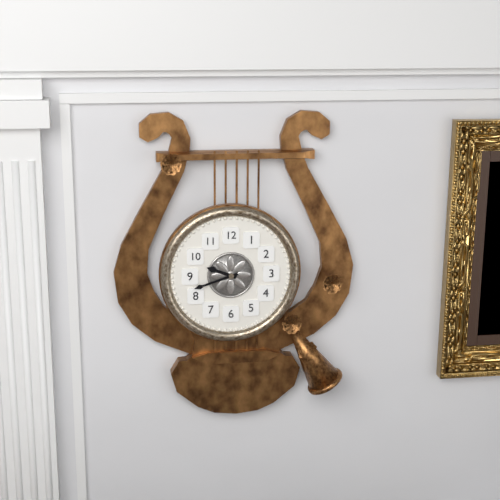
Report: {"hour": 9, "minute": 42}
